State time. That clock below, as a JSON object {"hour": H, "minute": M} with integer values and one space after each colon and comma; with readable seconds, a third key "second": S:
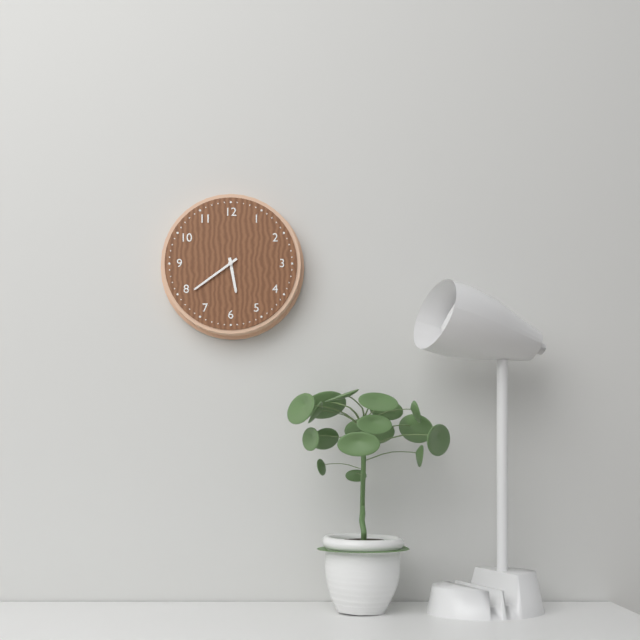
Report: {"hour": 5, "minute": 39}
